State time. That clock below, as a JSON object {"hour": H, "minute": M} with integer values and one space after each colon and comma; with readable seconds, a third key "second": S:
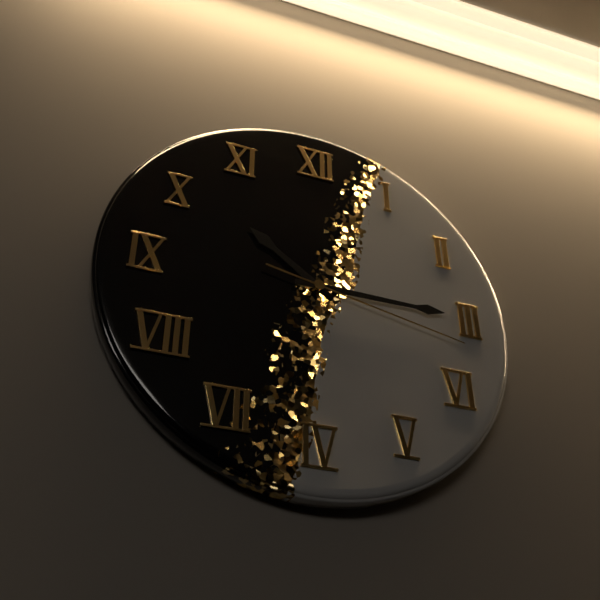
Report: {"hour": 10, "minute": 15, "second": 17}
